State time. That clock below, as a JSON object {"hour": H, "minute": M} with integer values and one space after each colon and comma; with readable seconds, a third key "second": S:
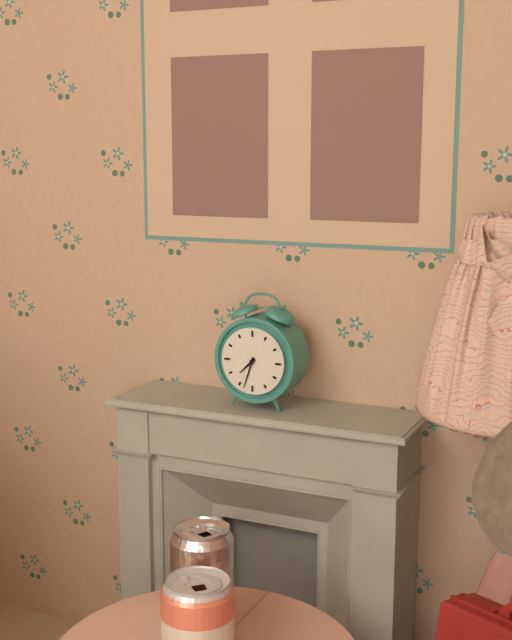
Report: {"hour": 7, "minute": 33}
